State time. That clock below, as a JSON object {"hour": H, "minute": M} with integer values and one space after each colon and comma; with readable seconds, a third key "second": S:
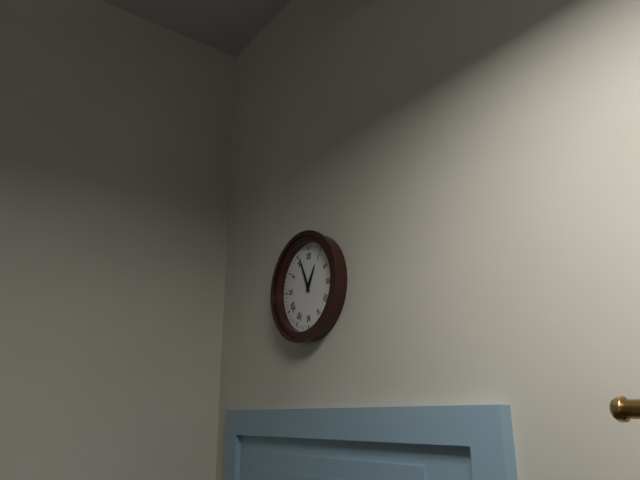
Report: {"hour": 12, "minute": 56}
